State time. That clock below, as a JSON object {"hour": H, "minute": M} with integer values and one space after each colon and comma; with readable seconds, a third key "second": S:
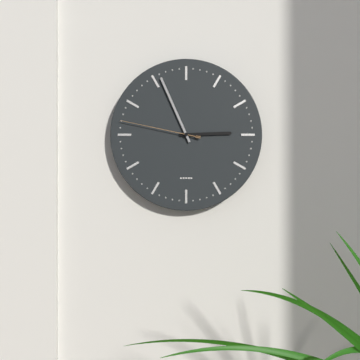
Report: {"hour": 2, "minute": 56, "second": 47}
